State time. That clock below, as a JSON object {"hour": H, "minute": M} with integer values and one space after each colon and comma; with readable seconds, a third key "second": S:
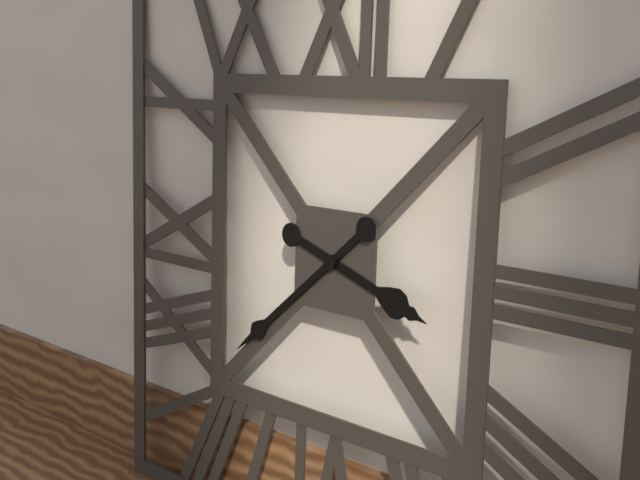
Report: {"hour": 3, "minute": 38}
